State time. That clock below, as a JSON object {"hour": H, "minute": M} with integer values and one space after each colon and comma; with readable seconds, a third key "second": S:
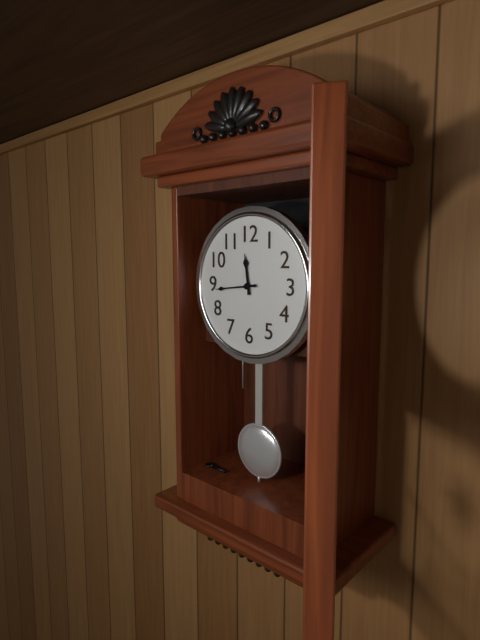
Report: {"hour": 11, "minute": 44}
